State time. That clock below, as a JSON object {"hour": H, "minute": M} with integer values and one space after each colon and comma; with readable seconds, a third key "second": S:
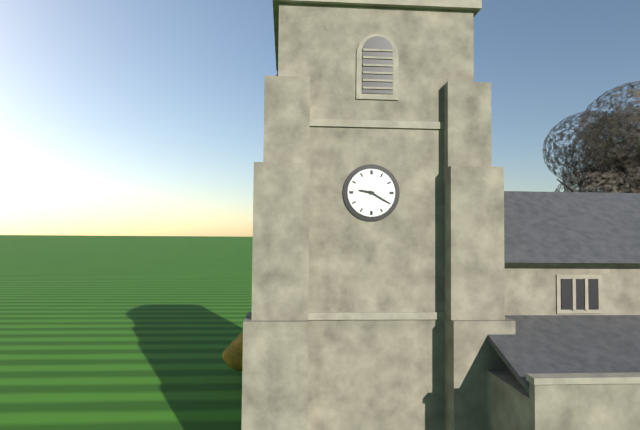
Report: {"hour": 9, "minute": 20}
